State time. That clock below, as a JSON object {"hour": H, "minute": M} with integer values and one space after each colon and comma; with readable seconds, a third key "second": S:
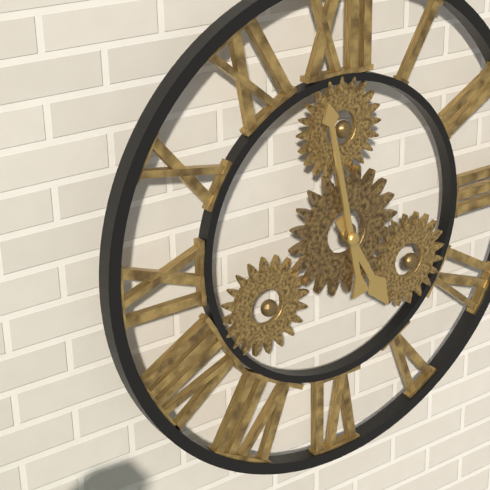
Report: {"hour": 4, "minute": 58}
